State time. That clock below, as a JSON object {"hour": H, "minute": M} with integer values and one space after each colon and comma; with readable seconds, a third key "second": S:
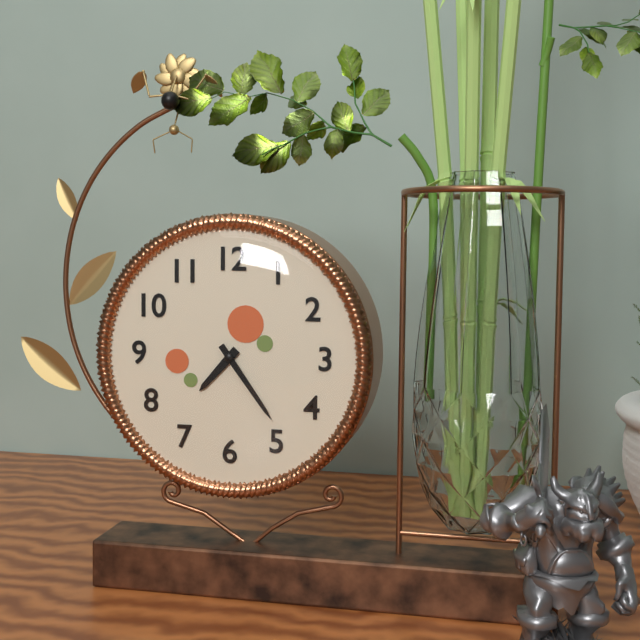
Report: {"hour": 7, "minute": 24}
